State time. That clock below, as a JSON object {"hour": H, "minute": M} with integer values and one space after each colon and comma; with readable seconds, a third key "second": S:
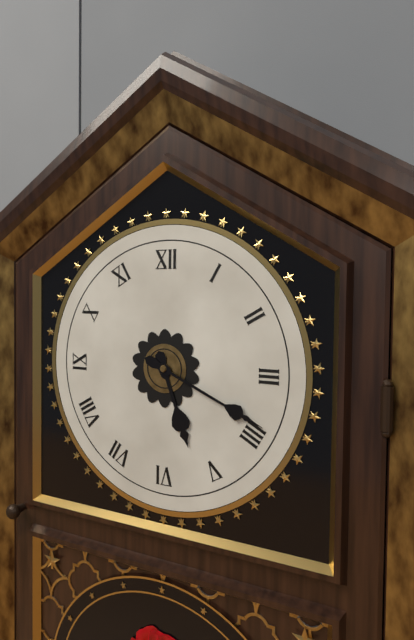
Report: {"hour": 5, "minute": 19}
